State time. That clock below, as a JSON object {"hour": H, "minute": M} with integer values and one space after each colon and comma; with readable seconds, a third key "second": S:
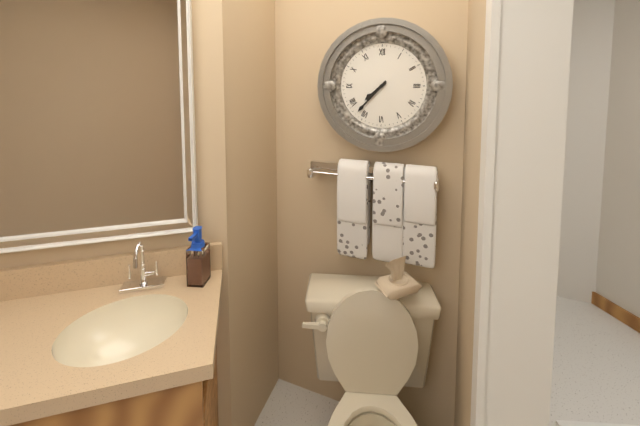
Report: {"hour": 7, "minute": 37}
